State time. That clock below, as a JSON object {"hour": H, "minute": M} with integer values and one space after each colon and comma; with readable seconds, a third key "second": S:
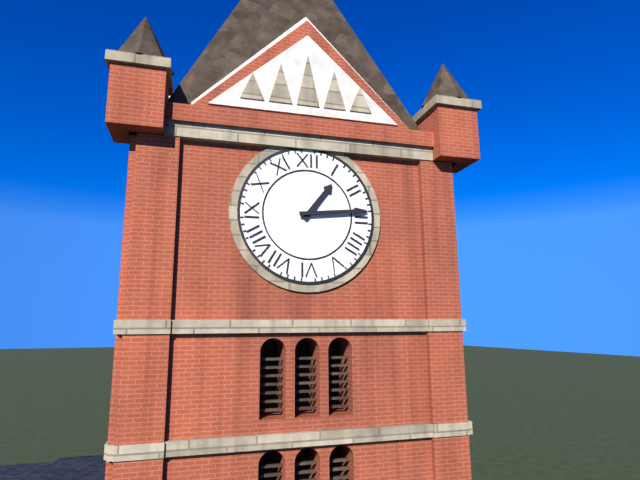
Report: {"hour": 1, "minute": 14}
